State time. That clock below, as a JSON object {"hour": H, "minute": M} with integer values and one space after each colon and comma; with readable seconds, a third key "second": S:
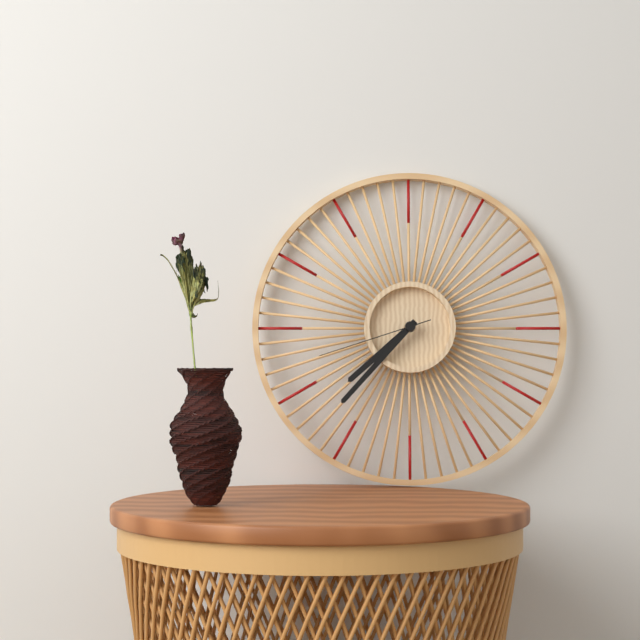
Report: {"hour": 7, "minute": 37, "second": 42}
